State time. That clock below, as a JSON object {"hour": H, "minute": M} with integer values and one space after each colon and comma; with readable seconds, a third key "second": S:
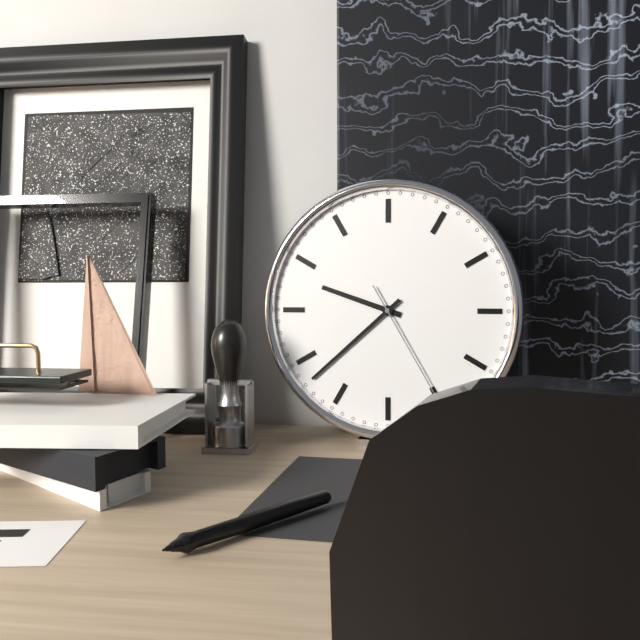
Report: {"hour": 9, "minute": 38, "second": 25}
